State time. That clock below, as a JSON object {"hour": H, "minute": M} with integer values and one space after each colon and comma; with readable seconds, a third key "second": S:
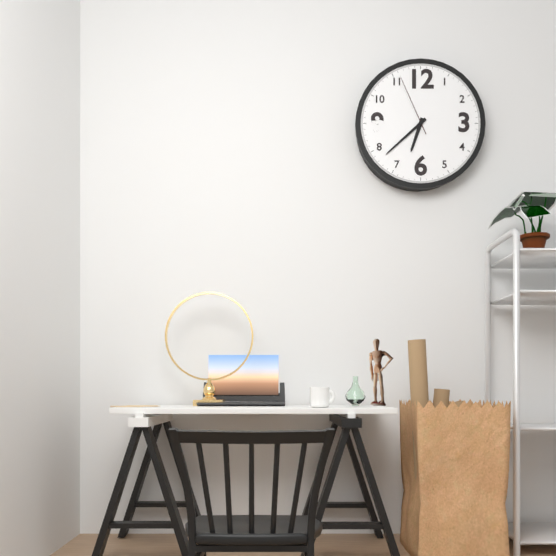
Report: {"hour": 6, "minute": 38, "second": 56}
